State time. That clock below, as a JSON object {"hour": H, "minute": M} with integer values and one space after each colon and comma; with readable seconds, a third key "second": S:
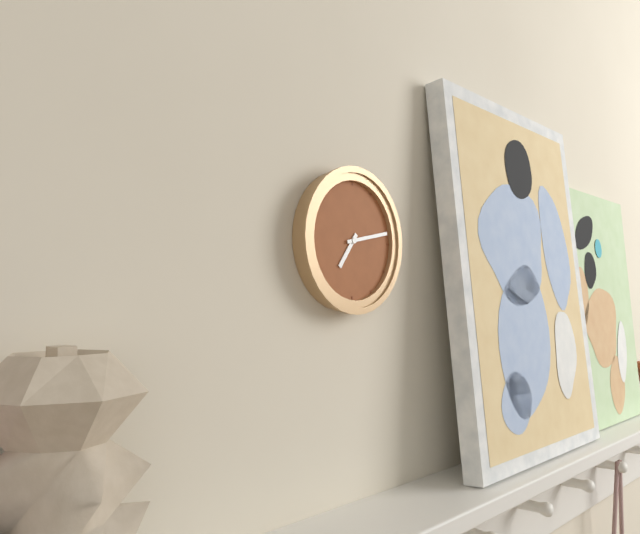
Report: {"hour": 7, "minute": 13}
